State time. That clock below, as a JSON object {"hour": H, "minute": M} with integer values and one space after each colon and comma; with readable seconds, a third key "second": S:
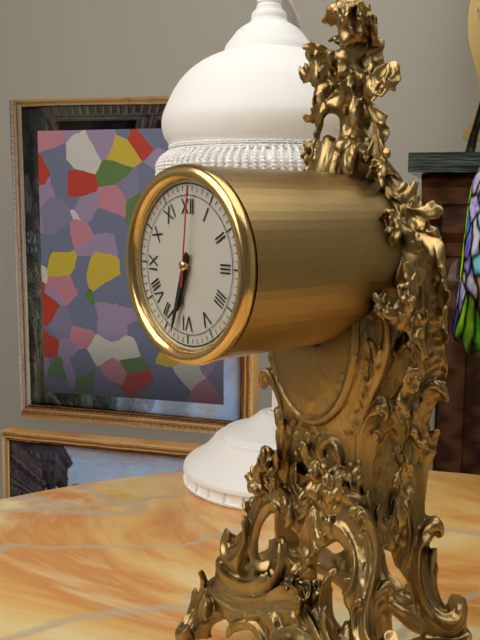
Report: {"hour": 6, "minute": 33, "second": 1}
